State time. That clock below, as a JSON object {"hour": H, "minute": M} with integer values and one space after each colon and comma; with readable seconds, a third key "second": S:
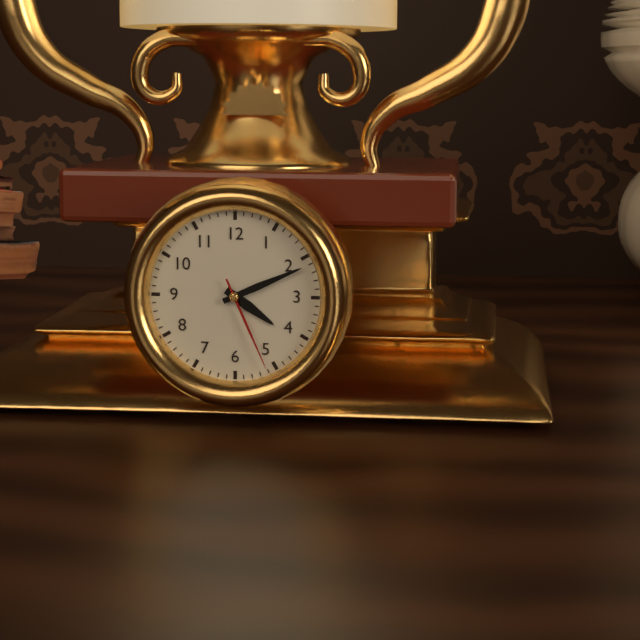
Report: {"hour": 4, "minute": 11, "second": 26}
